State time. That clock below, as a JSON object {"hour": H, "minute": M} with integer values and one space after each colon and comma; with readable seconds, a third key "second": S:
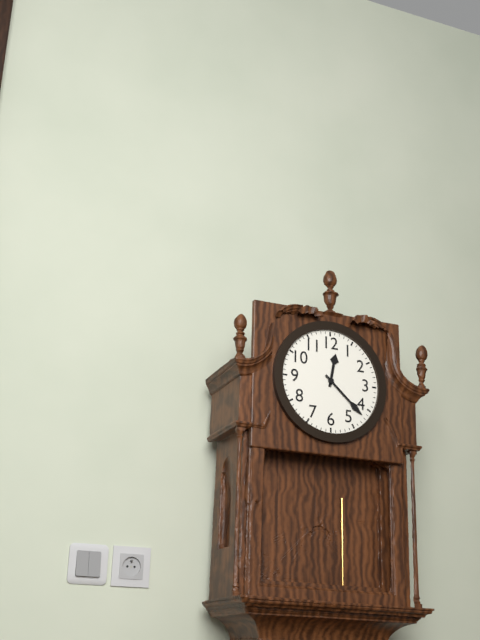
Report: {"hour": 12, "minute": 22}
